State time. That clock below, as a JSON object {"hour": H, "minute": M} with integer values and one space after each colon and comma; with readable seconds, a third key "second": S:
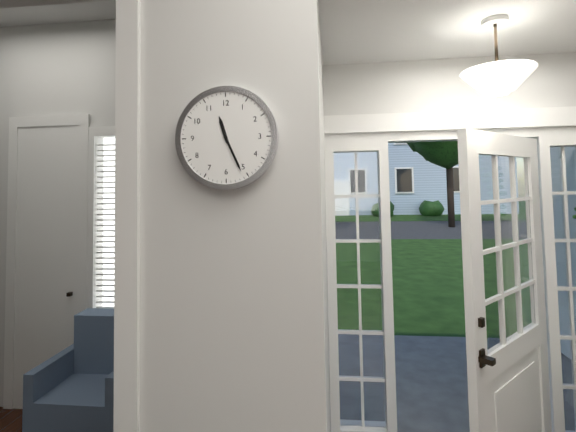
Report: {"hour": 11, "minute": 26}
